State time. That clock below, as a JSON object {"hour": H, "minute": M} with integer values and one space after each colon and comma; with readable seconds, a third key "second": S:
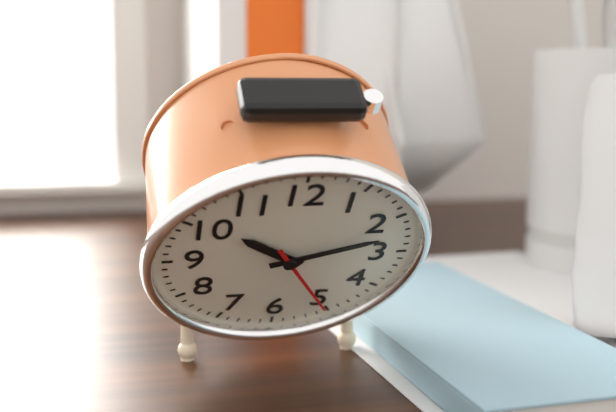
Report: {"hour": 10, "minute": 12, "second": 25}
